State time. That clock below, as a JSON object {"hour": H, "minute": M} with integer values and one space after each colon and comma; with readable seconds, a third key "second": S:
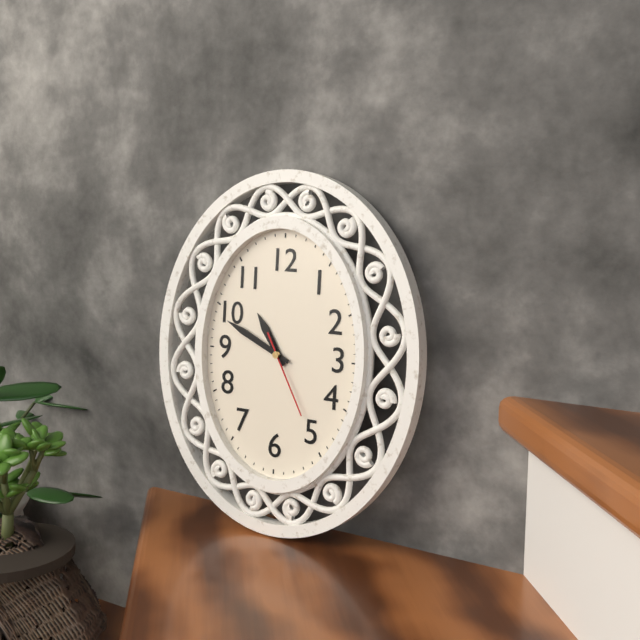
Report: {"hour": 10, "minute": 49, "second": 25}
